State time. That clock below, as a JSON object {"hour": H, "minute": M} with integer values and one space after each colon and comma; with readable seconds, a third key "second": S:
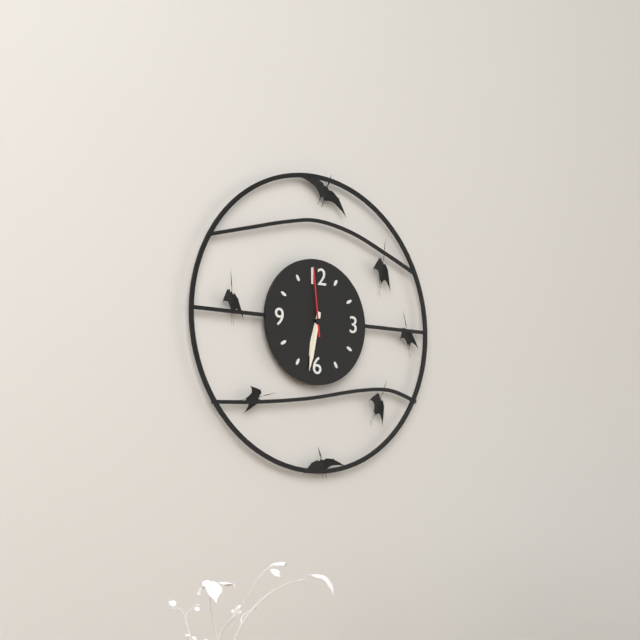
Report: {"hour": 6, "minute": 32, "second": 59}
